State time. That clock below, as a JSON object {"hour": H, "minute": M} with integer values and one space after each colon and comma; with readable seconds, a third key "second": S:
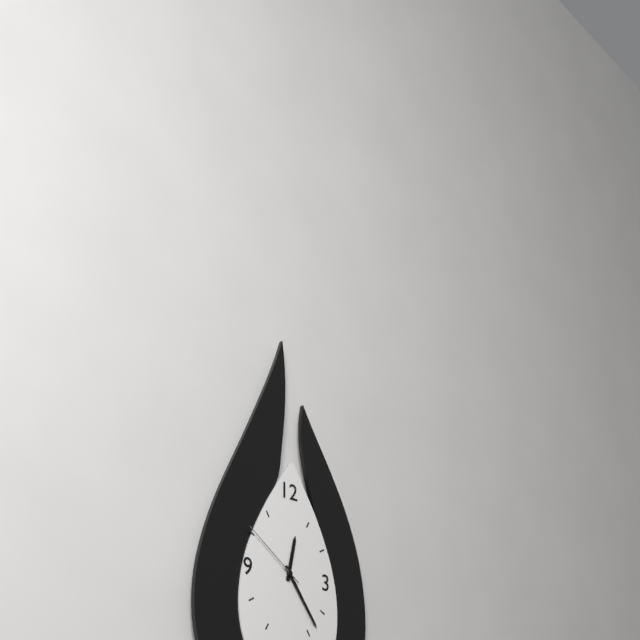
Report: {"hour": 12, "minute": 24, "second": 51}
